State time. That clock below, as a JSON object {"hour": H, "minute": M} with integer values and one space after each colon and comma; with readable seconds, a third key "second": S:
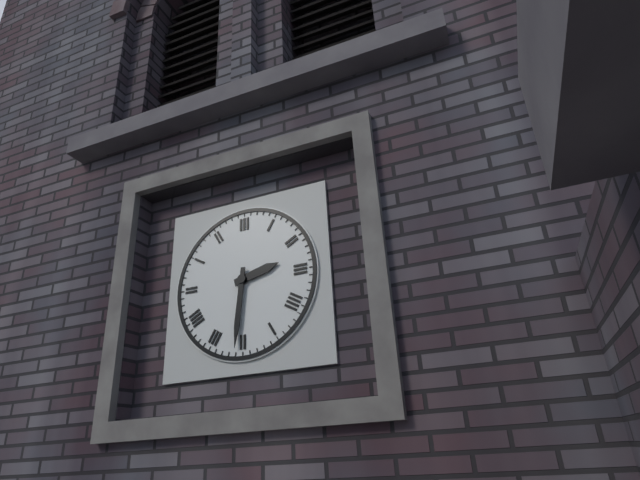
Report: {"hour": 2, "minute": 31}
